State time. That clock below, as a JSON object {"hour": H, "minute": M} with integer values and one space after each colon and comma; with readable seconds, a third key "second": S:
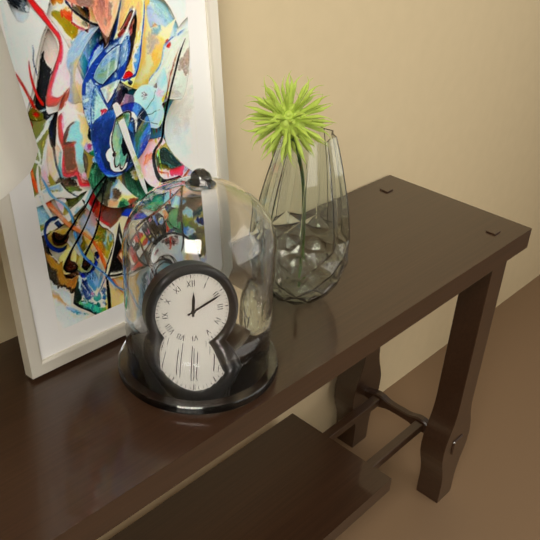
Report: {"hour": 12, "minute": 11}
